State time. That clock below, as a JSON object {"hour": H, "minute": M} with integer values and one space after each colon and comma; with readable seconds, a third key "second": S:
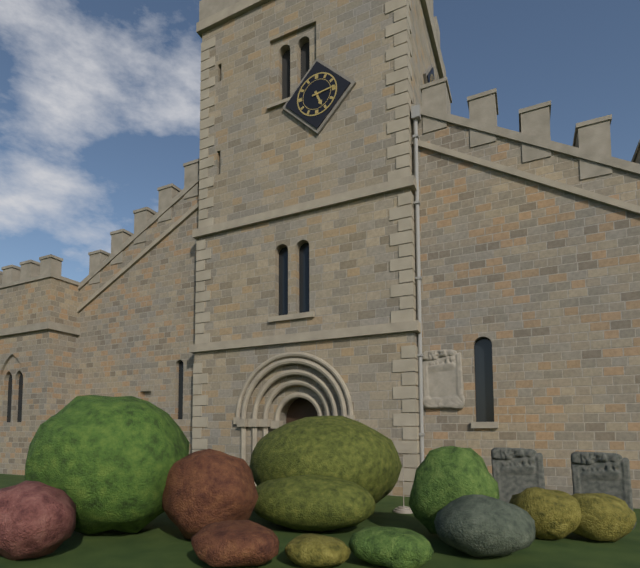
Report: {"hour": 5, "minute": 14}
